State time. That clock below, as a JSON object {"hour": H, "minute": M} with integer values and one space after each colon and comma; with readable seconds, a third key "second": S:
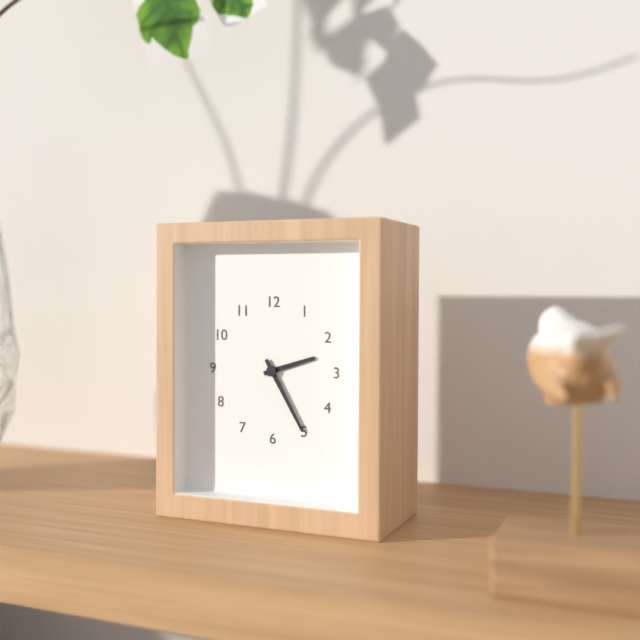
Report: {"hour": 2, "minute": 25}
